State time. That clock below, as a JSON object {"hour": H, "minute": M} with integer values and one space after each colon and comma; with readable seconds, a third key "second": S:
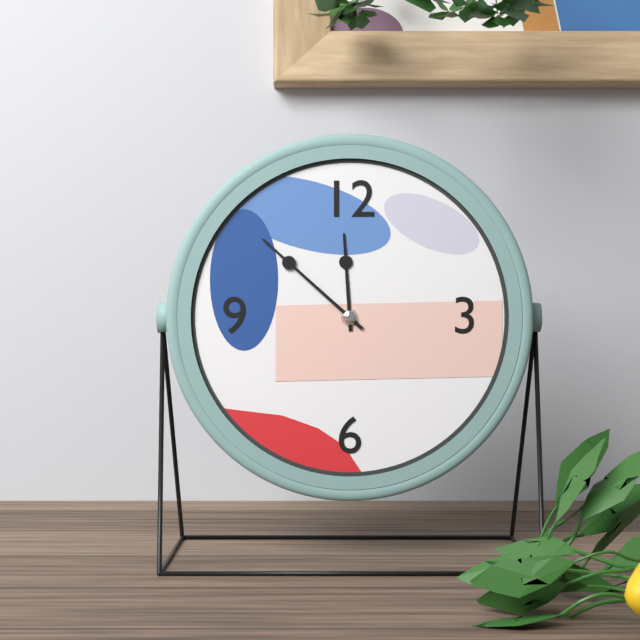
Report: {"hour": 11, "minute": 52}
